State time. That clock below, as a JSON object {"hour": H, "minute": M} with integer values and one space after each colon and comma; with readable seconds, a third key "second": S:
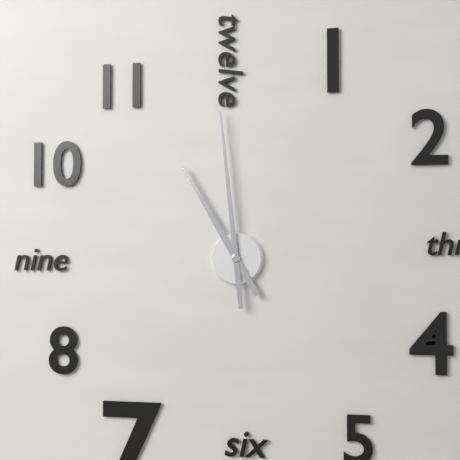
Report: {"hour": 10, "minute": 59}
